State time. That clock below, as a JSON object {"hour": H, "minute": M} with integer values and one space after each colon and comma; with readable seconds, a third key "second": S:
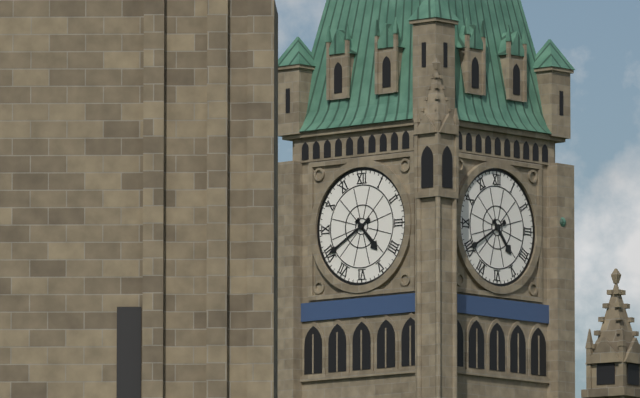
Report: {"hour": 4, "minute": 40}
